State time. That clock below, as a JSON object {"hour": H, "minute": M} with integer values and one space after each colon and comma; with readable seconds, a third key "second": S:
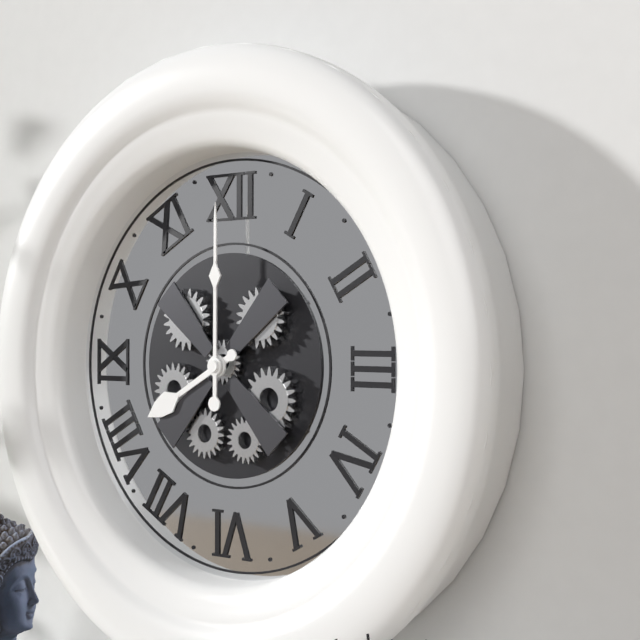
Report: {"hour": 8, "minute": 0}
